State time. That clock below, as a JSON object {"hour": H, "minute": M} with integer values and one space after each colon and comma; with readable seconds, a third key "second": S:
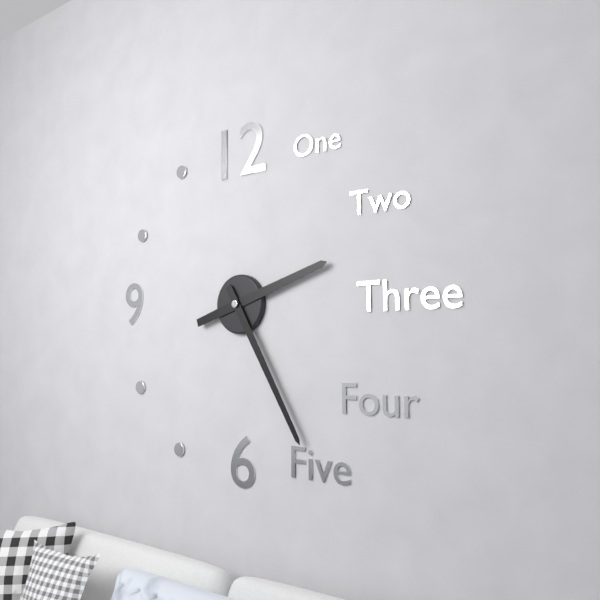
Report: {"hour": 2, "minute": 25}
